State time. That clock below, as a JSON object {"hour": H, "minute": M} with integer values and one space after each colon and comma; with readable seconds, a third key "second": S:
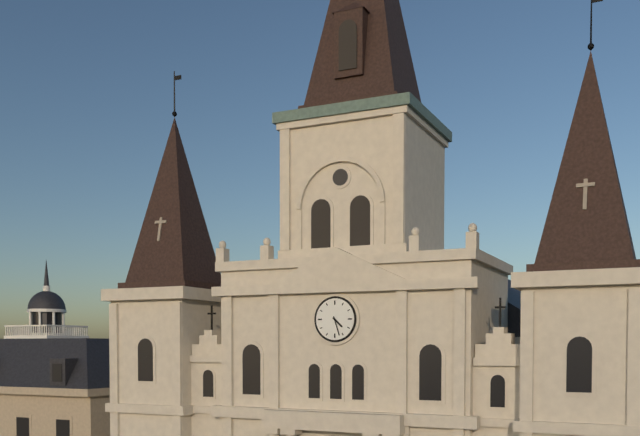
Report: {"hour": 4, "minute": 27}
